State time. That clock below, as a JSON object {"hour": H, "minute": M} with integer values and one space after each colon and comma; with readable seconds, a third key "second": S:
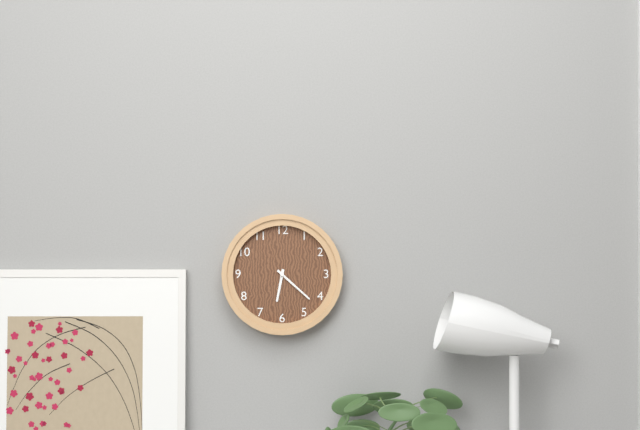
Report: {"hour": 6, "minute": 22}
